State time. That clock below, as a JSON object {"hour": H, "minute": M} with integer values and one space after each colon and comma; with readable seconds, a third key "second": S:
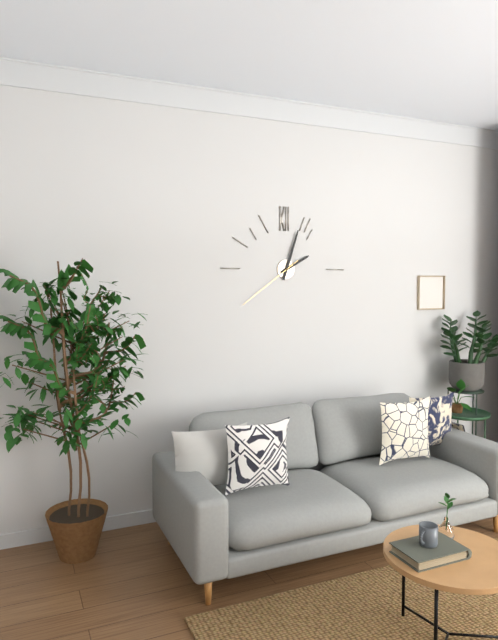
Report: {"hour": 2, "minute": 3, "second": 39}
